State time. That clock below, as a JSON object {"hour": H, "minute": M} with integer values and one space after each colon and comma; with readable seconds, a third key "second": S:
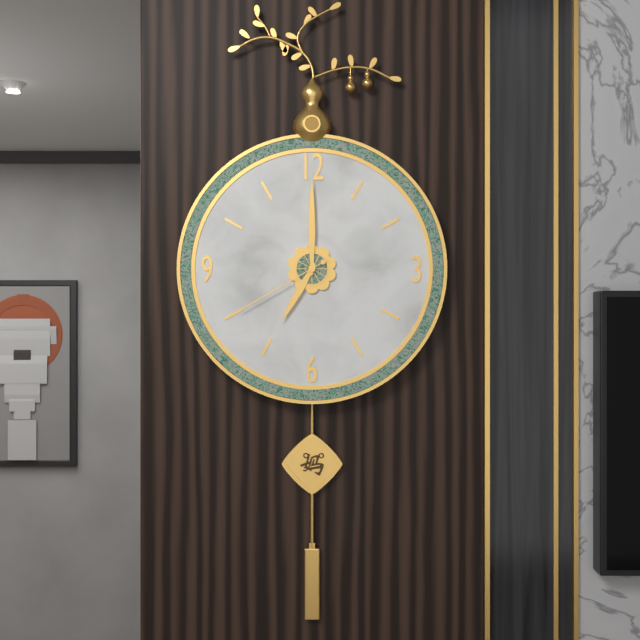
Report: {"hour": 7, "minute": 0, "second": 40}
